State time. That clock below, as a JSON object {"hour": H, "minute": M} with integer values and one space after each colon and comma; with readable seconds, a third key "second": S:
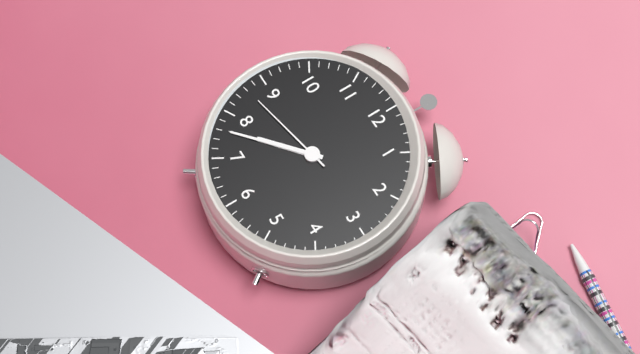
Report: {"hour": 7, "minute": 38, "second": 43}
